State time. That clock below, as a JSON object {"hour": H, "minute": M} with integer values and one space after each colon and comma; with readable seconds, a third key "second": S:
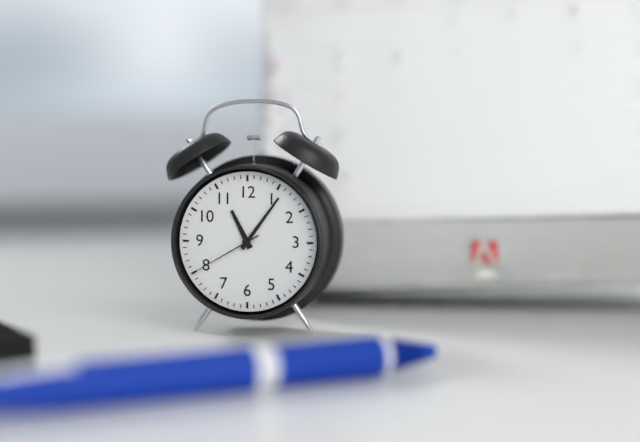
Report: {"hour": 11, "minute": 6, "second": 40}
